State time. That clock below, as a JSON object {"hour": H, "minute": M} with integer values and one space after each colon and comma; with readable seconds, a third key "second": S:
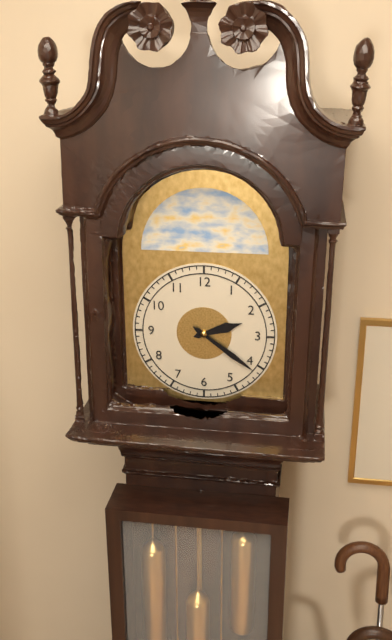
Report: {"hour": 2, "minute": 21}
